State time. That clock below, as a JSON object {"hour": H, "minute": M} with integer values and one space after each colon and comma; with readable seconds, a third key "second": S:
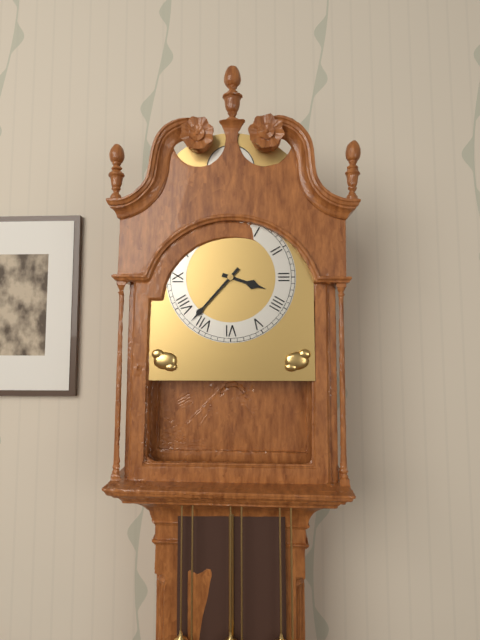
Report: {"hour": 3, "minute": 37}
